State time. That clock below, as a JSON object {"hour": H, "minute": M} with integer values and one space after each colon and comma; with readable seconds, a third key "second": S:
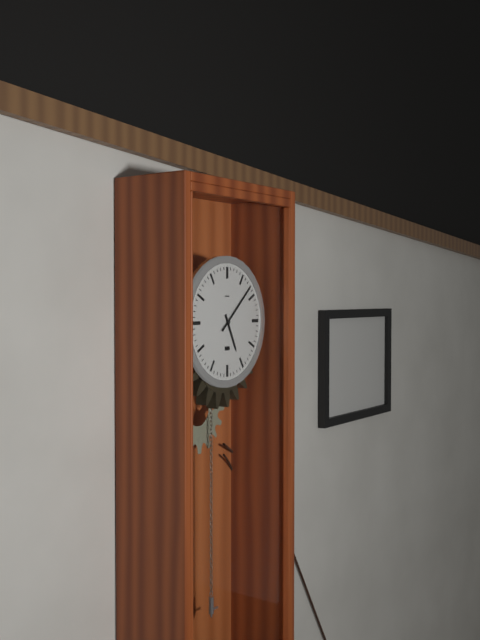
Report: {"hour": 5, "minute": 8}
